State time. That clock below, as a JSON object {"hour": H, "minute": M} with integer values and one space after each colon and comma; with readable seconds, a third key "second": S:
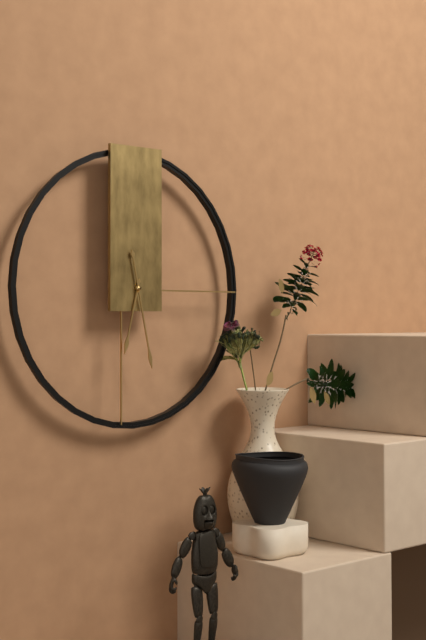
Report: {"hour": 6, "minute": 28}
